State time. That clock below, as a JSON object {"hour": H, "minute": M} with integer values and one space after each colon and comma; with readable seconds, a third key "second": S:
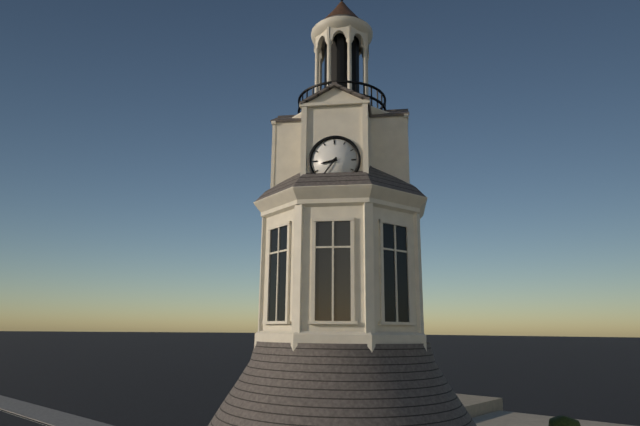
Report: {"hour": 8, "minute": 36}
